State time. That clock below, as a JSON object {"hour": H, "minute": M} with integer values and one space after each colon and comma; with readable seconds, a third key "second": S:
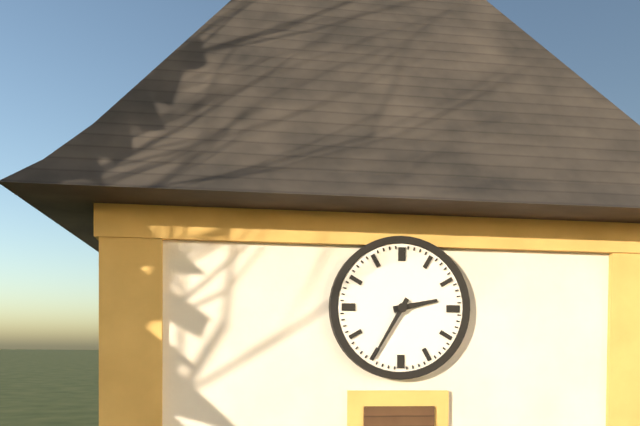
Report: {"hour": 2, "minute": 35}
